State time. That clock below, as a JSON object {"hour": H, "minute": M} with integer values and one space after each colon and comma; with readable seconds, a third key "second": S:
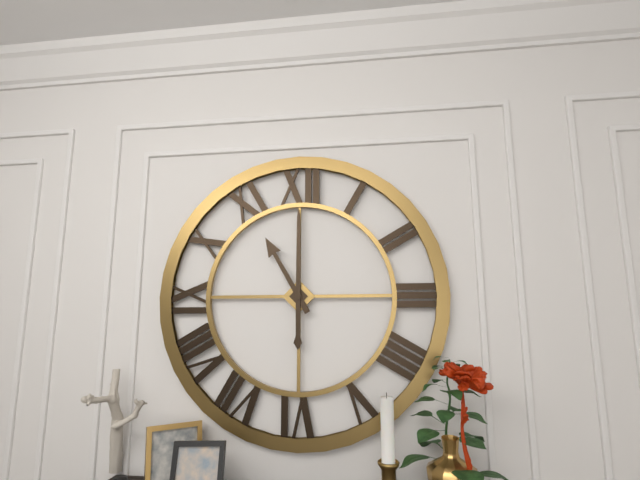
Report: {"hour": 11, "minute": 0}
